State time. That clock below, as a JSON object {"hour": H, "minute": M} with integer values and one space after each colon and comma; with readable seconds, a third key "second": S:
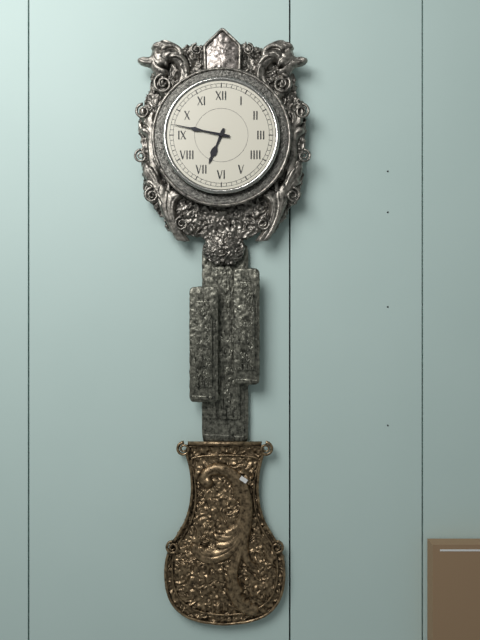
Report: {"hour": 6, "minute": 47}
